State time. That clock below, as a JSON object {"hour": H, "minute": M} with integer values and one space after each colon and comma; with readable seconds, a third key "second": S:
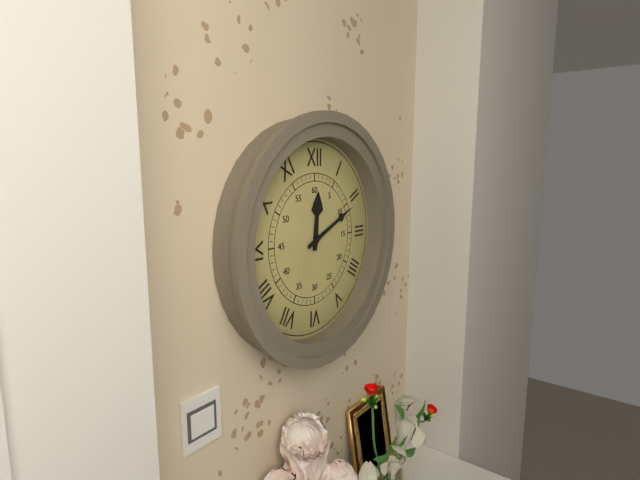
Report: {"hour": 12, "minute": 11}
